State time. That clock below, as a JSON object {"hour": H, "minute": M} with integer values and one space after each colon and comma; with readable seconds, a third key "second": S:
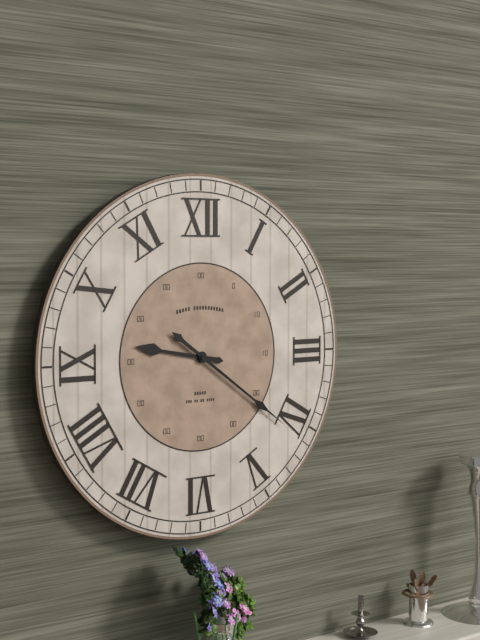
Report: {"hour": 9, "minute": 21}
